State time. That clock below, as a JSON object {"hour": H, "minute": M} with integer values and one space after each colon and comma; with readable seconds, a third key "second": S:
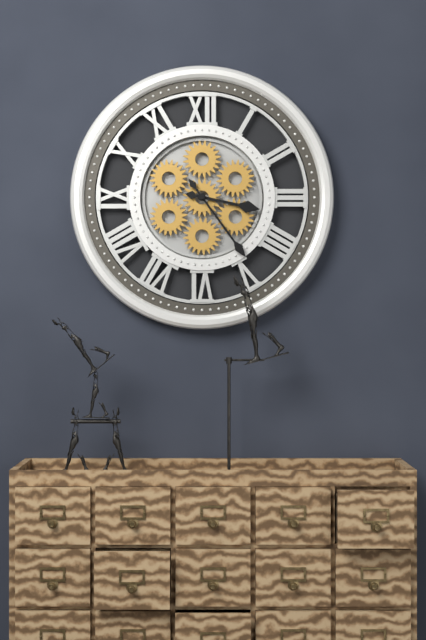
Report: {"hour": 3, "minute": 24}
